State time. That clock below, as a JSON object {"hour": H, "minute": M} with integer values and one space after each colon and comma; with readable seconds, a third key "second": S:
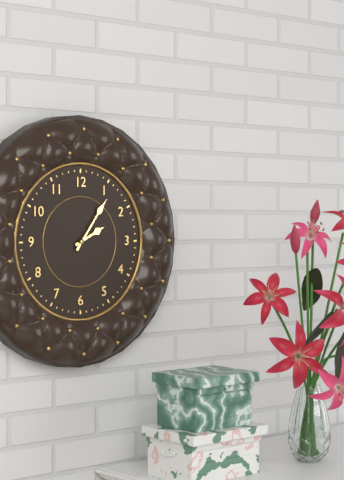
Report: {"hour": 2, "minute": 6}
